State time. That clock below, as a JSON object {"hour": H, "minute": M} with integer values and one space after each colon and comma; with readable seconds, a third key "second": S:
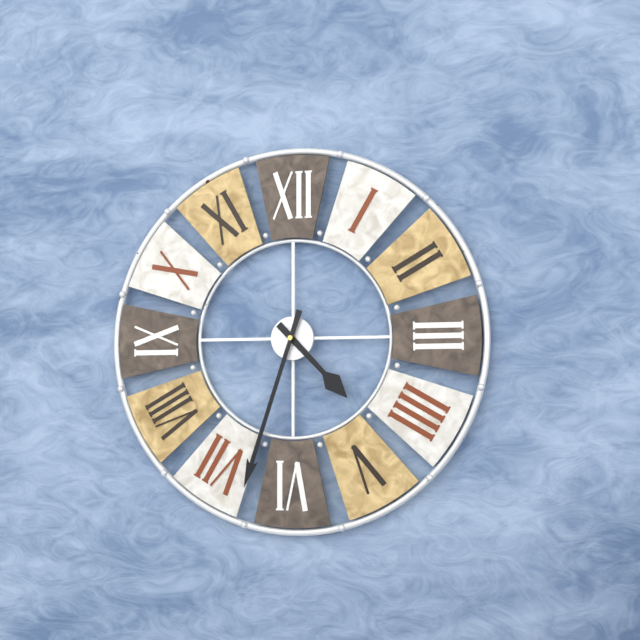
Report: {"hour": 4, "minute": 33}
